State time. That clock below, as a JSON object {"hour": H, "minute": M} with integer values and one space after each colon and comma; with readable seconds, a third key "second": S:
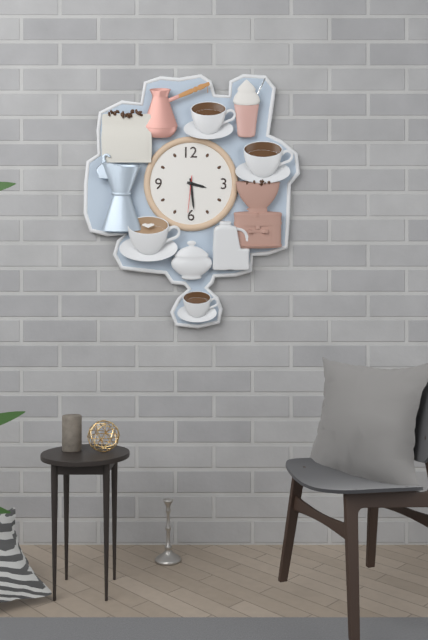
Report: {"hour": 3, "minute": 29}
